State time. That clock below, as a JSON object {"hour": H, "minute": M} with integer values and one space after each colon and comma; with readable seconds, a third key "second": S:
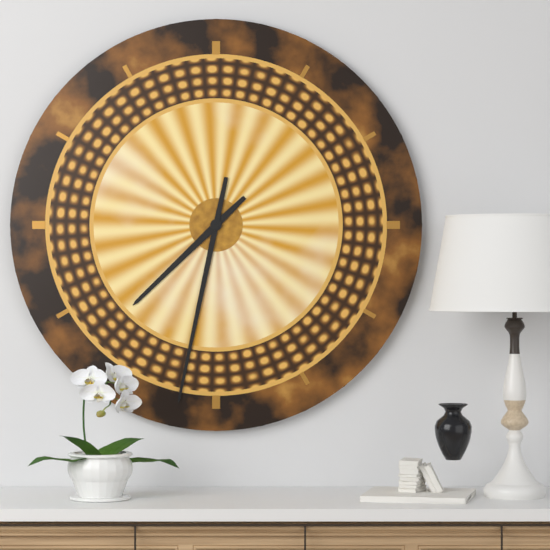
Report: {"hour": 7, "minute": 32}
